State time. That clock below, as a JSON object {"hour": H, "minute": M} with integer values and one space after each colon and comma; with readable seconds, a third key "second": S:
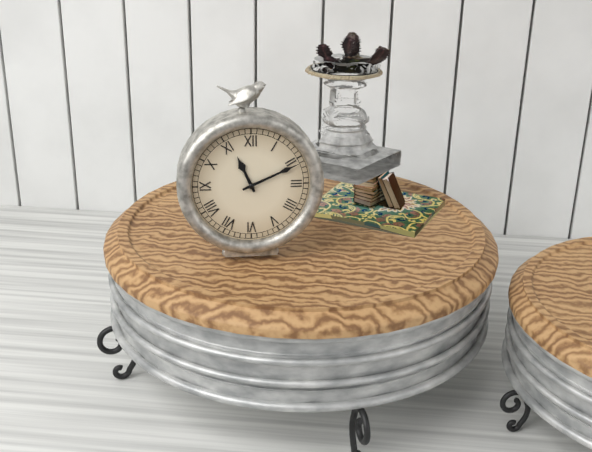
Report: {"hour": 11, "minute": 11}
